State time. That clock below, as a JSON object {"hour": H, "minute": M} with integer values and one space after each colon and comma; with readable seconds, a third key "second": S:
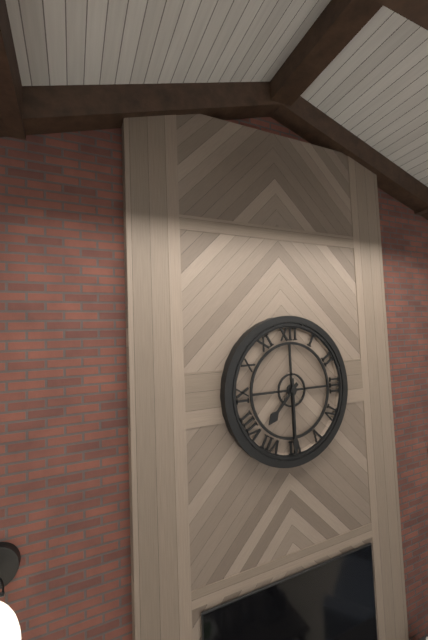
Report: {"hour": 7, "minute": 30}
